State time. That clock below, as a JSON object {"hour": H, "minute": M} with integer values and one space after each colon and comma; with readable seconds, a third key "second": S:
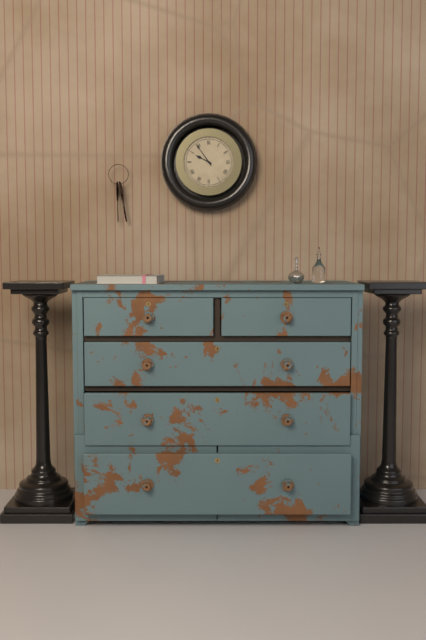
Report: {"hour": 9, "minute": 54}
